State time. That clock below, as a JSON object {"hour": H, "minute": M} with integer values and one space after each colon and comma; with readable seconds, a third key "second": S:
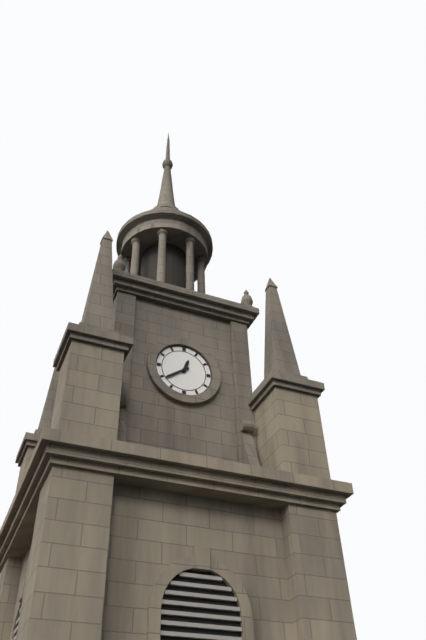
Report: {"hour": 12, "minute": 39}
